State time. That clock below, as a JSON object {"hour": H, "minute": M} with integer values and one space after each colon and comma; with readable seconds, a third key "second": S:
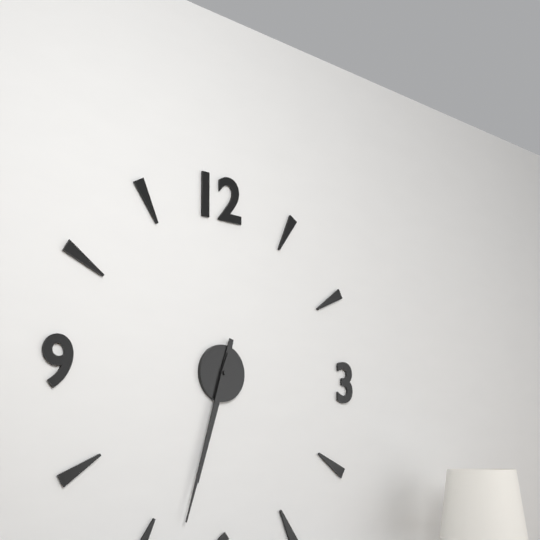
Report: {"hour": 6, "minute": 33}
